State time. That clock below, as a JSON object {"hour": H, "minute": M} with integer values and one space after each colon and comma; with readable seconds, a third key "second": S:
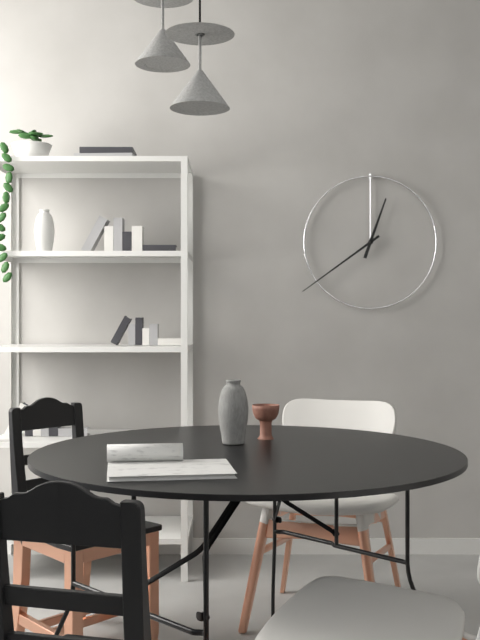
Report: {"hour": 12, "minute": 39}
